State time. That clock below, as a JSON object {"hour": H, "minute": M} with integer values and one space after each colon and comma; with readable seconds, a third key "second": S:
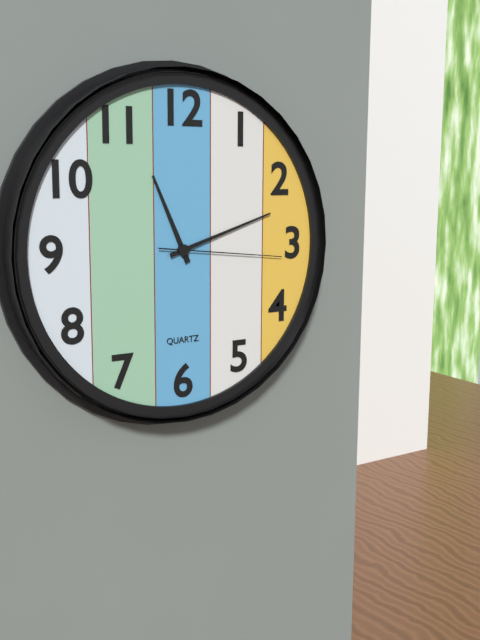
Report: {"hour": 11, "minute": 12, "second": 16}
